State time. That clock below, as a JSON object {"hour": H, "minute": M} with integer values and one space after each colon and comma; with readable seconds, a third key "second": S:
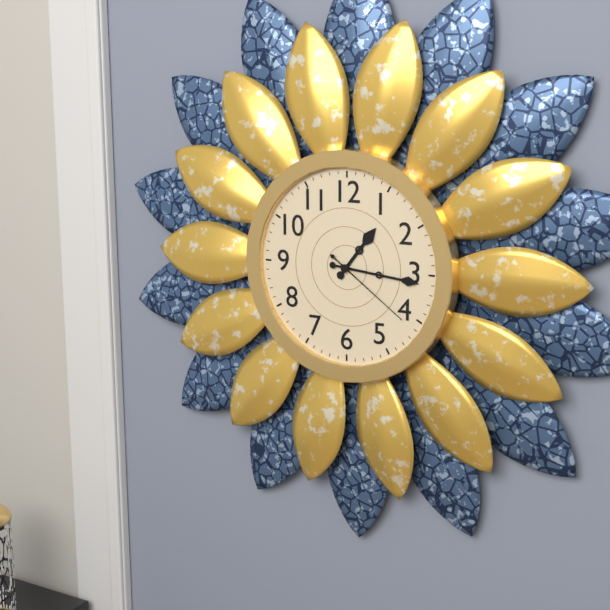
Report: {"hour": 1, "minute": 16, "second": 21}
